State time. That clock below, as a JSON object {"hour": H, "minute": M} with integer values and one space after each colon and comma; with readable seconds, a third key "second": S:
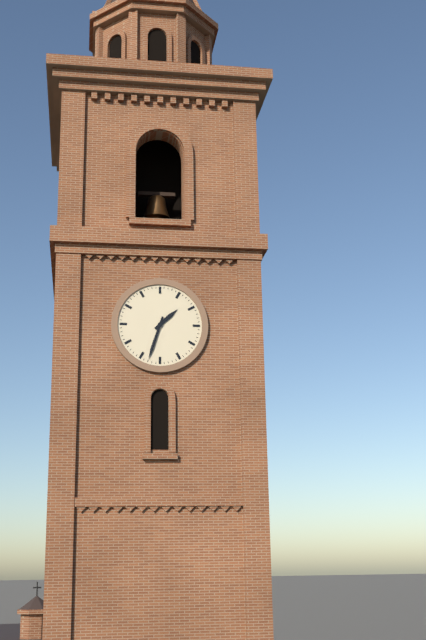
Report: {"hour": 1, "minute": 33}
